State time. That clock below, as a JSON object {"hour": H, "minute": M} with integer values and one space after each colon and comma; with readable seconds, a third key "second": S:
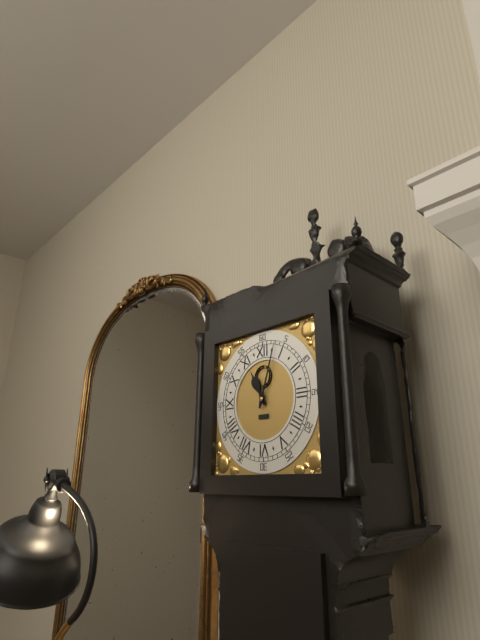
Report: {"hour": 11, "minute": 3}
